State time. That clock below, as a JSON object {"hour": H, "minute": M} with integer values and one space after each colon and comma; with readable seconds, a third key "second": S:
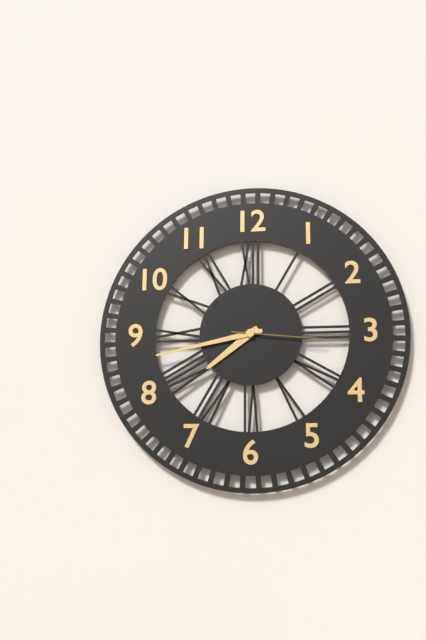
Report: {"hour": 7, "minute": 43, "second": 16}
